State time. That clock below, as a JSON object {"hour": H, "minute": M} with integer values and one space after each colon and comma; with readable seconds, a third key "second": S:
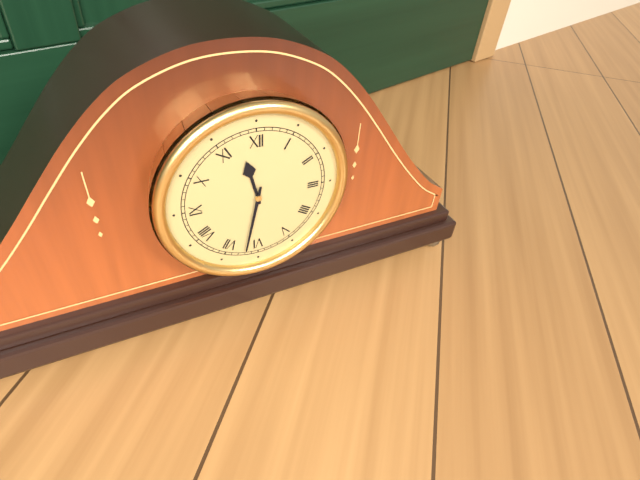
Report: {"hour": 11, "minute": 32}
